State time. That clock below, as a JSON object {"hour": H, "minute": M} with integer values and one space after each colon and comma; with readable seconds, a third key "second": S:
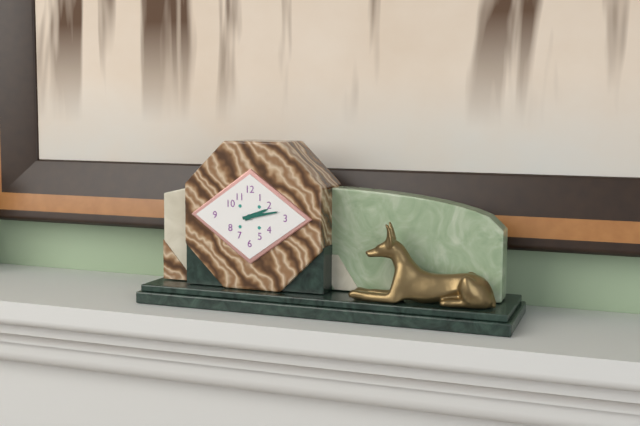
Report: {"hour": 2, "minute": 13}
